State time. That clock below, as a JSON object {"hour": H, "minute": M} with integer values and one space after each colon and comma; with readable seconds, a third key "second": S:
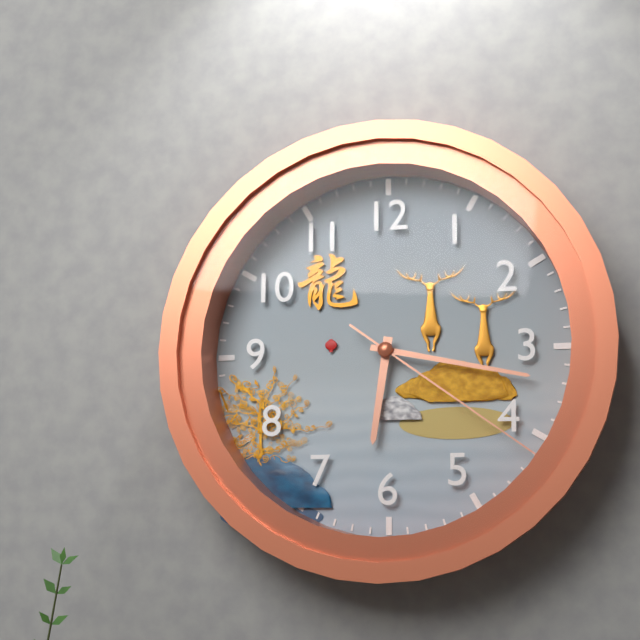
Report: {"hour": 6, "minute": 17, "second": 21}
